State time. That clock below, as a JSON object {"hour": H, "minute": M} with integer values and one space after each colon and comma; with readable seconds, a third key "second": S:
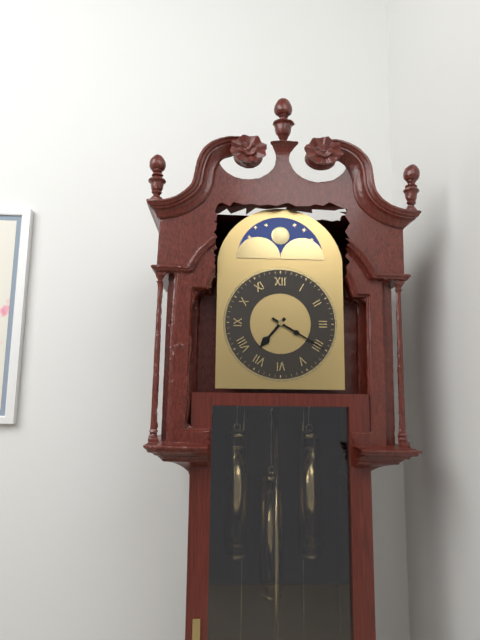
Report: {"hour": 7, "minute": 20}
